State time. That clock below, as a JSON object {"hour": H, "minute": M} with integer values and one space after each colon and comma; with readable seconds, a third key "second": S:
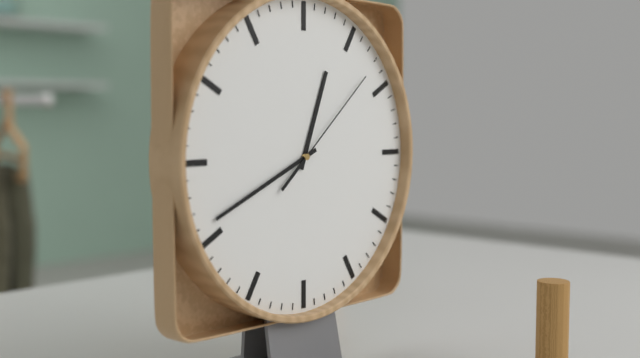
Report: {"hour": 12, "minute": 41, "second": 8}
